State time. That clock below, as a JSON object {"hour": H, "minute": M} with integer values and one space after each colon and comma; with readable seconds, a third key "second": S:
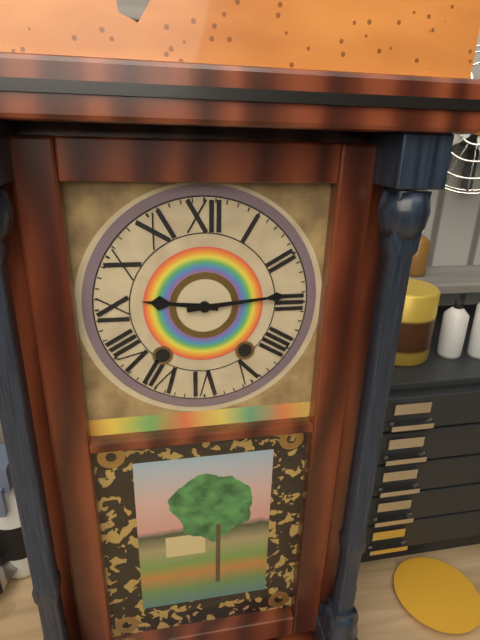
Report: {"hour": 9, "minute": 14}
